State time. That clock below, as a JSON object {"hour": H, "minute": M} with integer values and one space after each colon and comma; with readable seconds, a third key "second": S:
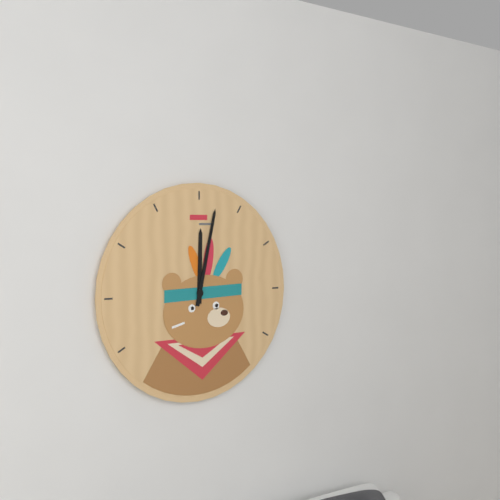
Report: {"hour": 12, "minute": 2}
